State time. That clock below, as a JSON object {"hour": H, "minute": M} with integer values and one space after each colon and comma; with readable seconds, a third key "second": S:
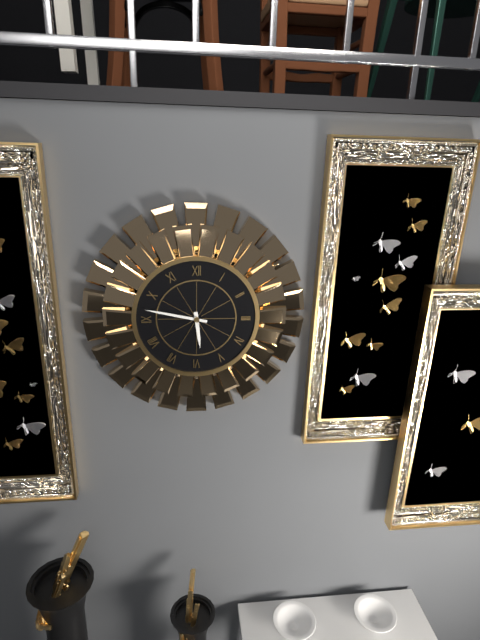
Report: {"hour": 5, "minute": 47}
